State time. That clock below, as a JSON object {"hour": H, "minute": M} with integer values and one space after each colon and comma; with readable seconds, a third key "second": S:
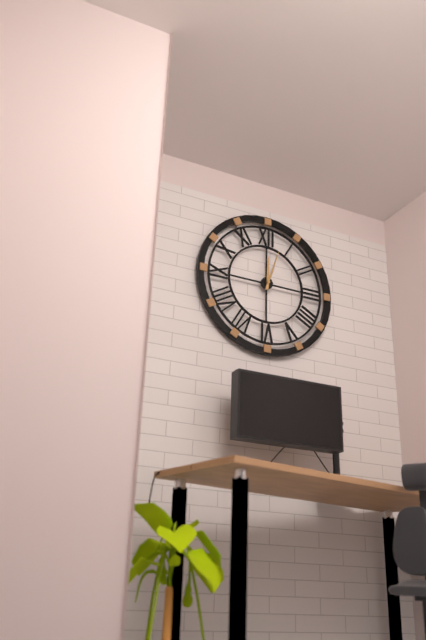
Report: {"hour": 12, "minute": 3}
